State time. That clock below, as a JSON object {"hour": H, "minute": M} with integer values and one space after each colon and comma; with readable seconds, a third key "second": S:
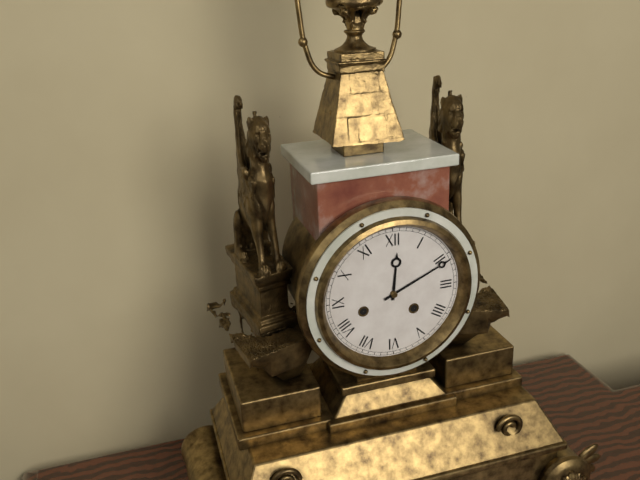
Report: {"hour": 12, "minute": 11}
